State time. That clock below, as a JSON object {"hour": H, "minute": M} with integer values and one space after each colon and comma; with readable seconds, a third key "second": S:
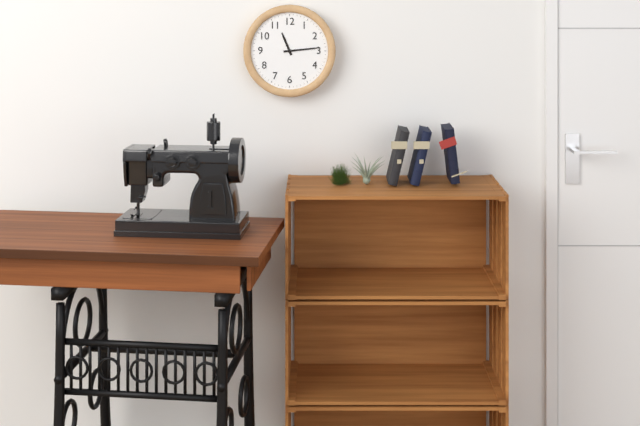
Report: {"hour": 11, "minute": 14}
